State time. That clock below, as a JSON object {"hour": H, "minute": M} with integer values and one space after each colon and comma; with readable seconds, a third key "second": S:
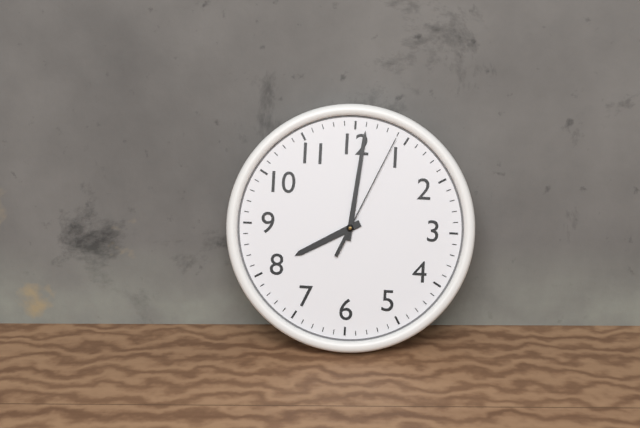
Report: {"hour": 8, "minute": 1, "second": 4}
